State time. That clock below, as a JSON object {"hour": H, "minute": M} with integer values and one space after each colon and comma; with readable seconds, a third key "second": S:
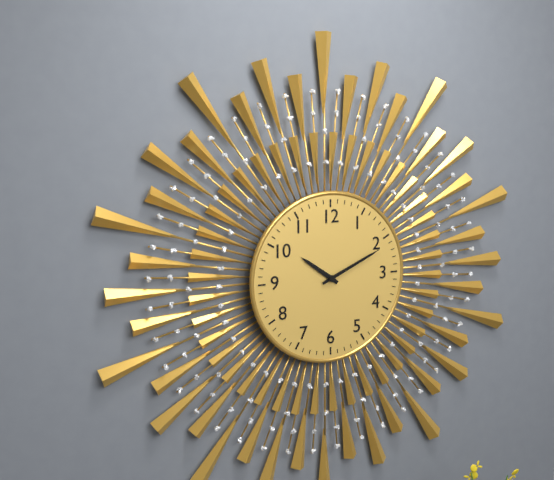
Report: {"hour": 10, "minute": 11}
